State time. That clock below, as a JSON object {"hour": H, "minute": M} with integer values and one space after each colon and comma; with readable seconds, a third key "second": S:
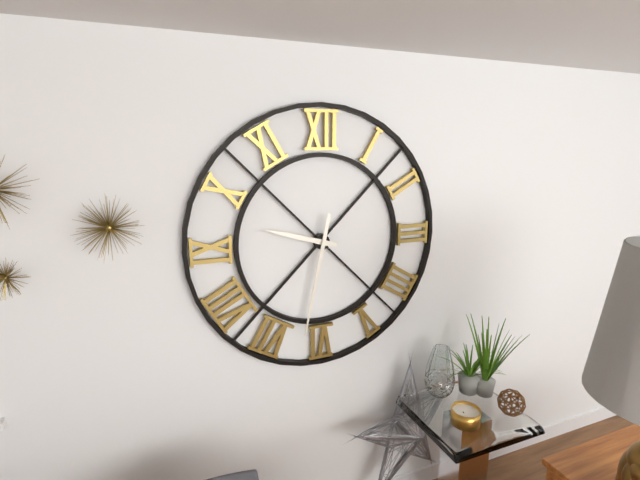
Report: {"hour": 9, "minute": 32}
